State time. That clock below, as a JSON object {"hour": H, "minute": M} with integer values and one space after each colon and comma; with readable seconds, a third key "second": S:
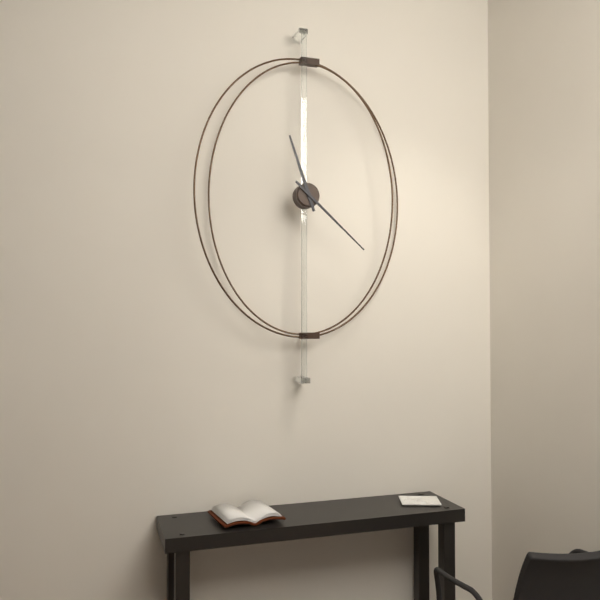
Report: {"hour": 11, "minute": 22}
